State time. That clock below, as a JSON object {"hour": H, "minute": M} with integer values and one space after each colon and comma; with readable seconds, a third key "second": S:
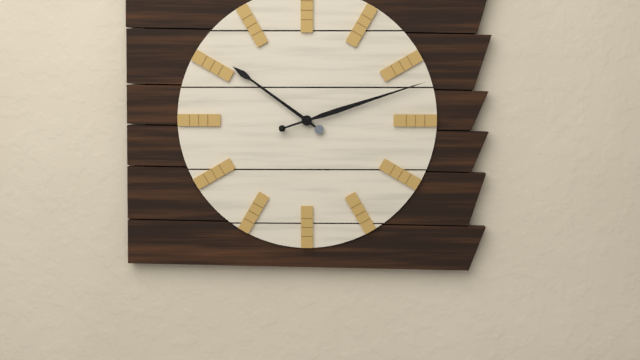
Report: {"hour": 10, "minute": 12}
